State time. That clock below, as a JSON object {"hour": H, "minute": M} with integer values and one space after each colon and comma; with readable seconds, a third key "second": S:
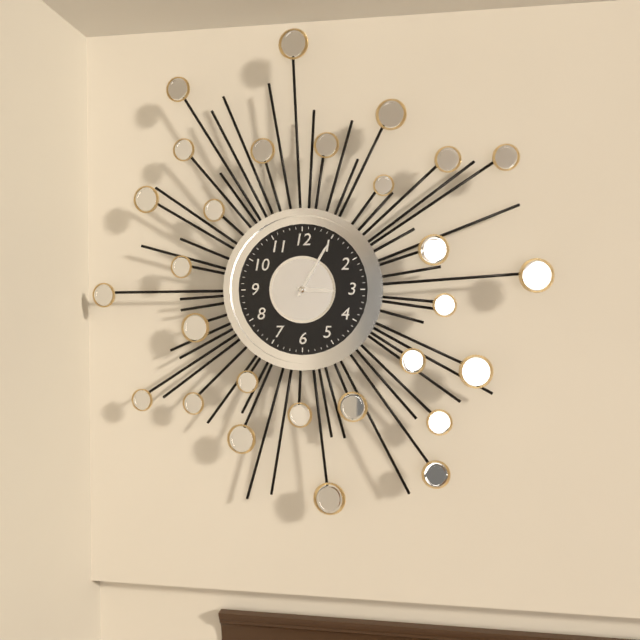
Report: {"hour": 3, "minute": 5}
